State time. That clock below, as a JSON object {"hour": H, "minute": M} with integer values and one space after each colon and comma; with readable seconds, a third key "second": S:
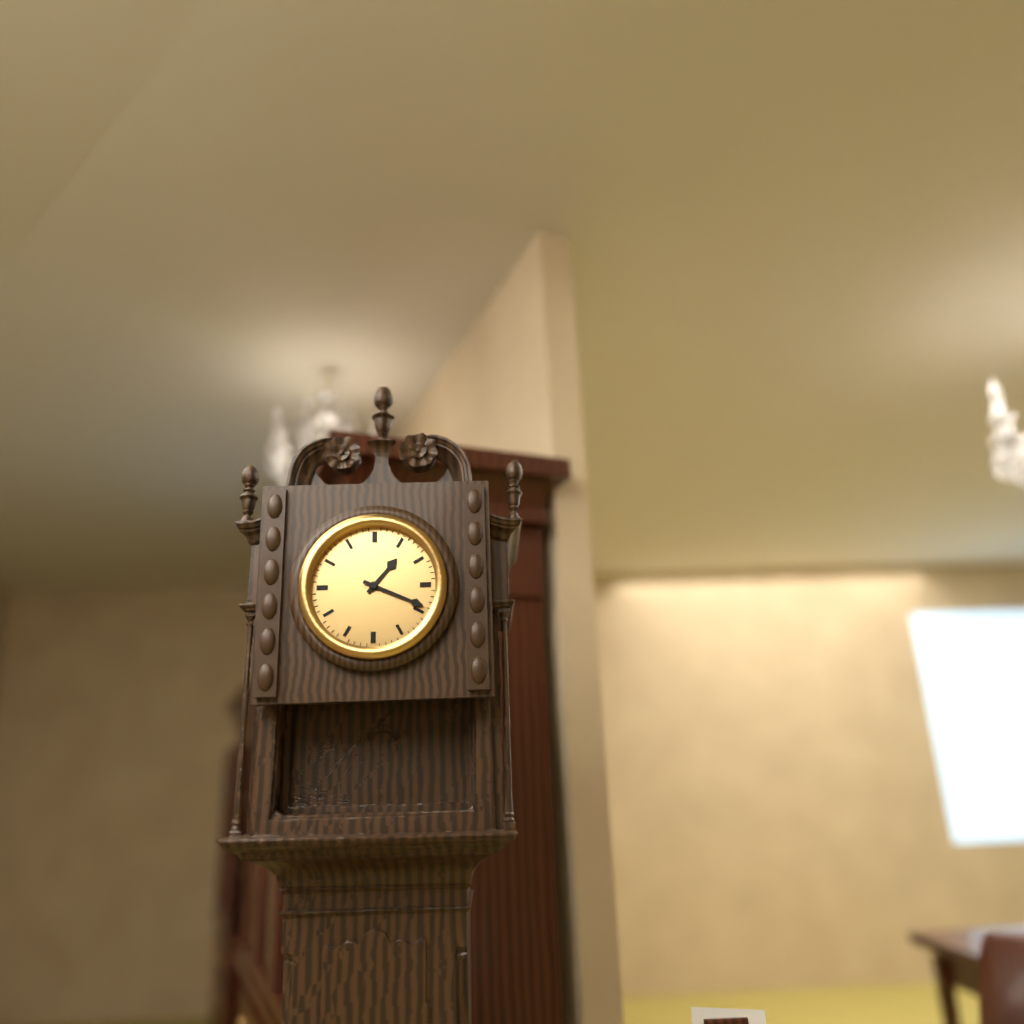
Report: {"hour": 1, "minute": 19}
